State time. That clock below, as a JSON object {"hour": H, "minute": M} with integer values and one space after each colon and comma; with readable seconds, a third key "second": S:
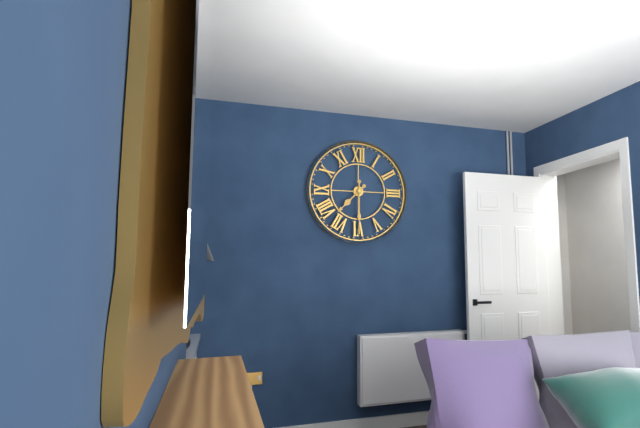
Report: {"hour": 7, "minute": 30}
